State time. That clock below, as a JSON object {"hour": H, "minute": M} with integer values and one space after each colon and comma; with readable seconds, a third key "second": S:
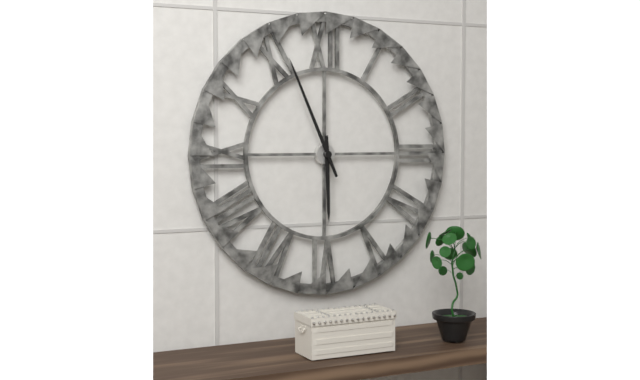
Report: {"hour": 5, "minute": 56}
